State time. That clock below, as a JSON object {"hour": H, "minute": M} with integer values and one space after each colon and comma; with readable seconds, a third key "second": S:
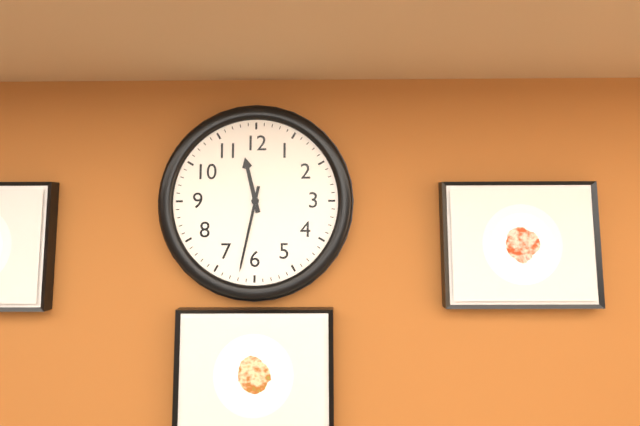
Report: {"hour": 11, "minute": 32}
